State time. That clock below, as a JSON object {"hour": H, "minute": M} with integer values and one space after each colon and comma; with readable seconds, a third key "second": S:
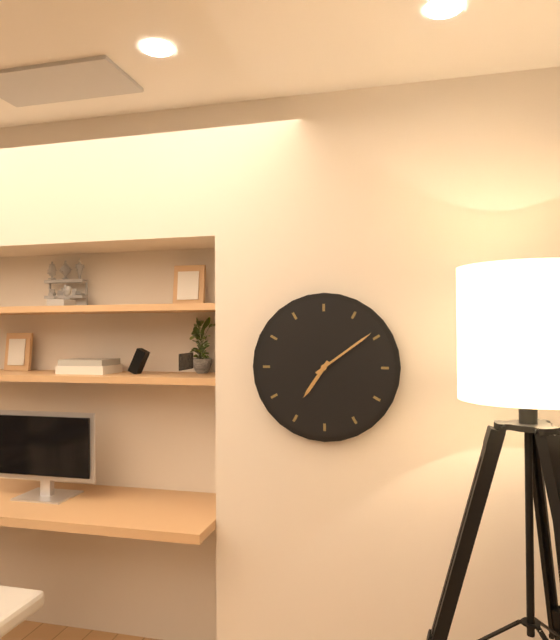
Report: {"hour": 7, "minute": 9}
